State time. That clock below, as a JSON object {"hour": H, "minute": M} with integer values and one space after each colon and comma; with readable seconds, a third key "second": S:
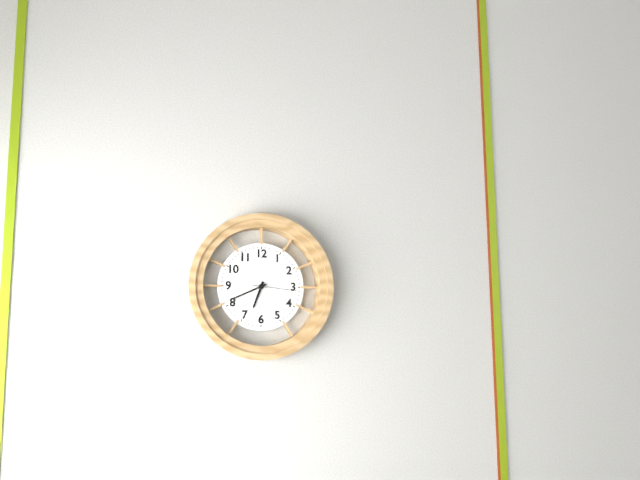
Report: {"hour": 6, "minute": 41}
